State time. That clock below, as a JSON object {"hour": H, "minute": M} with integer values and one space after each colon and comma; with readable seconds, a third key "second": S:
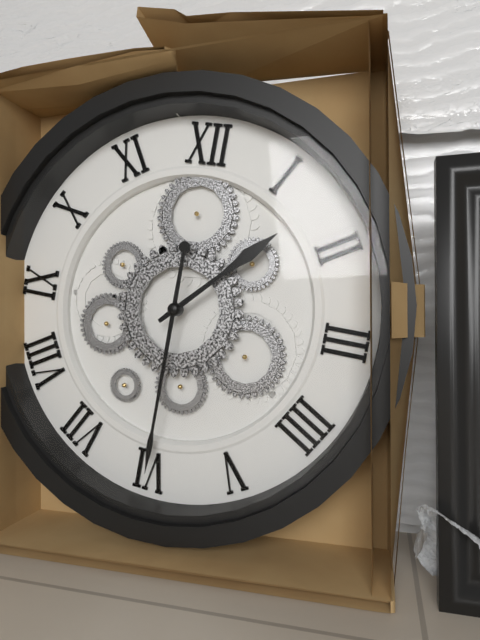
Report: {"hour": 1, "minute": 30}
